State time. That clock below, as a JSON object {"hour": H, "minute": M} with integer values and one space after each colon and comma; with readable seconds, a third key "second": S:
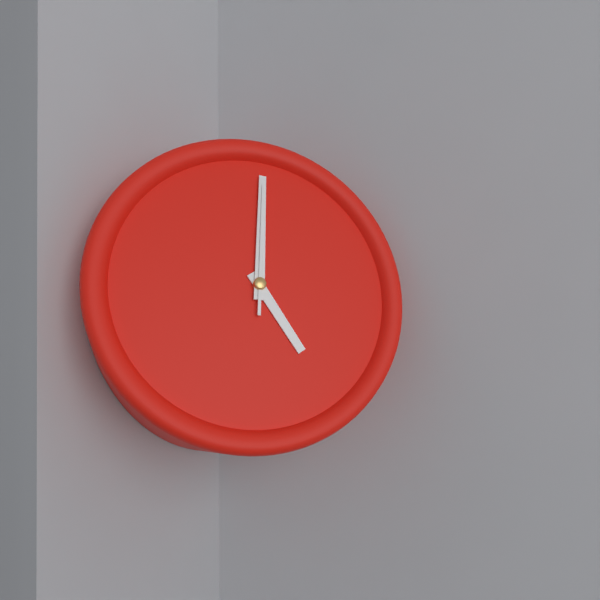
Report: {"hour": 5, "minute": 1, "second": 1}
